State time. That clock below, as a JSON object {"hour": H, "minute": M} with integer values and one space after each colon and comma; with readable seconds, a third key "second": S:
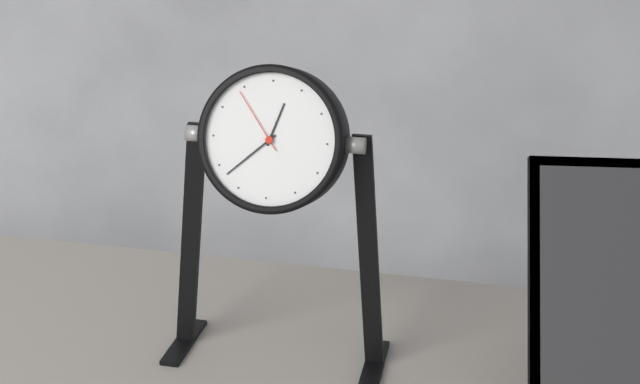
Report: {"hour": 12, "minute": 38, "second": 54}
